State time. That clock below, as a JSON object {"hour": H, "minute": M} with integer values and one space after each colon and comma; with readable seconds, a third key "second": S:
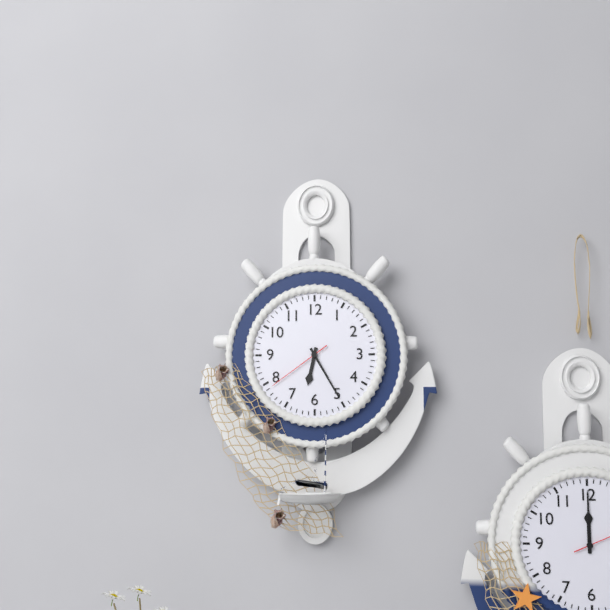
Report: {"hour": 6, "minute": 25, "second": 39}
